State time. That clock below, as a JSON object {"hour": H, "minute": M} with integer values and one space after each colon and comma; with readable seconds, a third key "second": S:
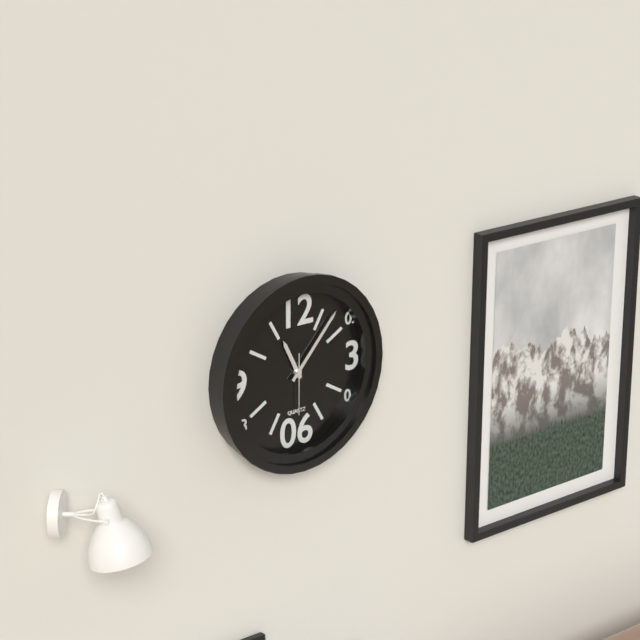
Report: {"hour": 11, "minute": 7, "second": 30}
